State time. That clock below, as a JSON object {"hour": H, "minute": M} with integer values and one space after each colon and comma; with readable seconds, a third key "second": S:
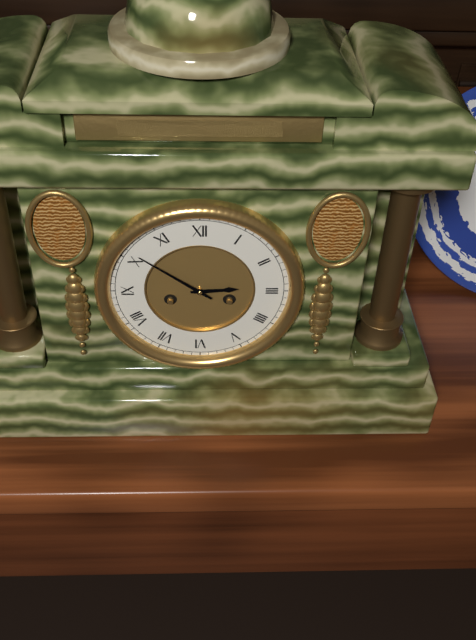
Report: {"hour": 2, "minute": 51}
